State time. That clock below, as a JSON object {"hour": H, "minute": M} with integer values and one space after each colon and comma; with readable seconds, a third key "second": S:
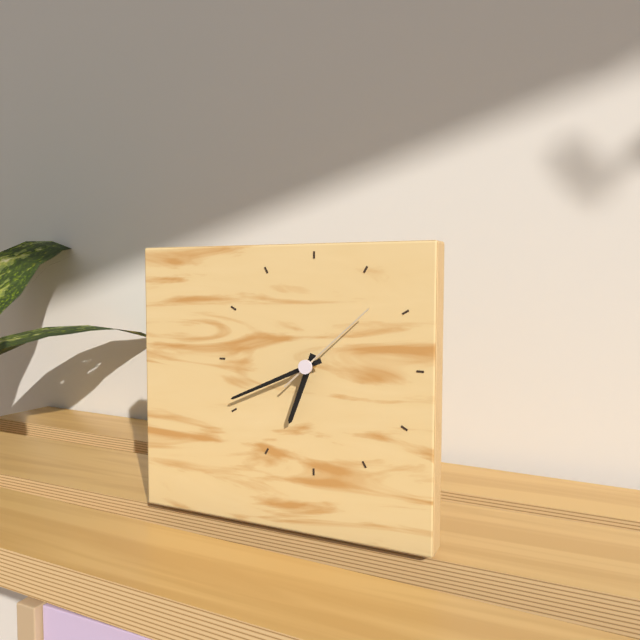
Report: {"hour": 6, "minute": 41, "second": 8}
